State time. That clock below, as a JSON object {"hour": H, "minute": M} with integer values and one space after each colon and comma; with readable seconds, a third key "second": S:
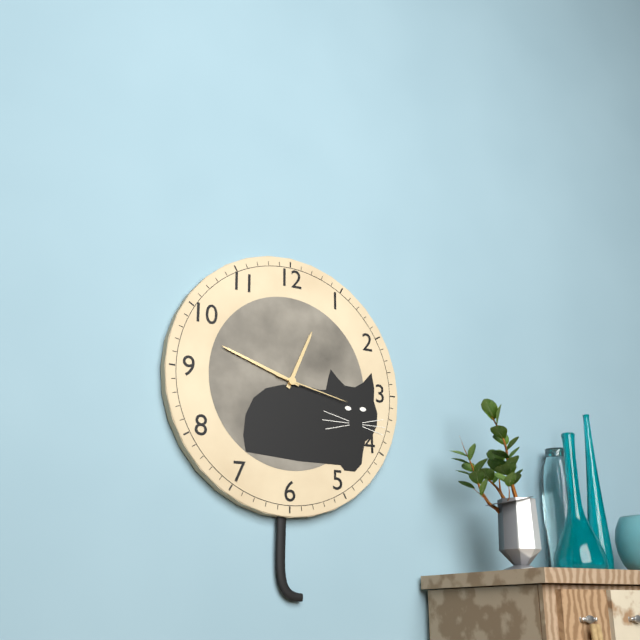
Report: {"hour": 12, "minute": 48, "second": 17}
